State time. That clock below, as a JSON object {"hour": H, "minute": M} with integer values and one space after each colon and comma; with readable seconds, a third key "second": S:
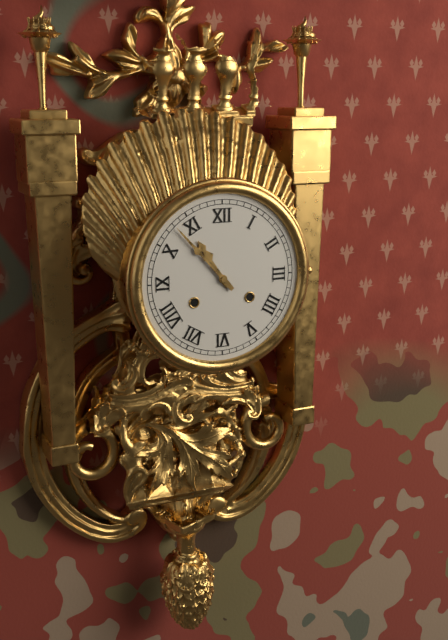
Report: {"hour": 10, "minute": 53}
